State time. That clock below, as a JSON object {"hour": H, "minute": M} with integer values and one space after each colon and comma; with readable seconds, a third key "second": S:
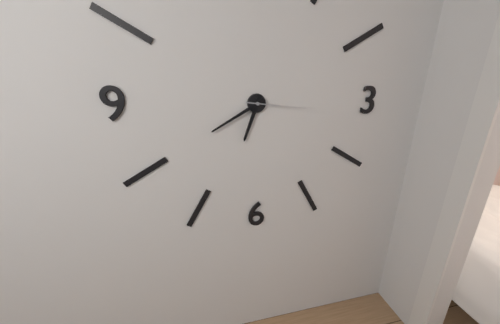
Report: {"hour": 6, "minute": 40, "second": 16}
